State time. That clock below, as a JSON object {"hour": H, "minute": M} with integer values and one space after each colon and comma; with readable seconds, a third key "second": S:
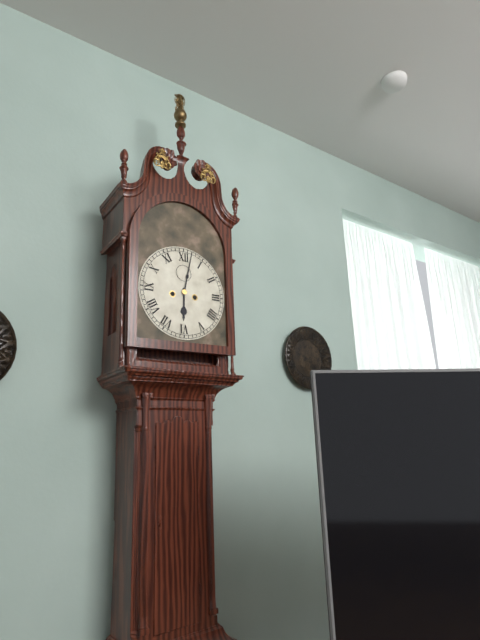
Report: {"hour": 6, "minute": 2}
